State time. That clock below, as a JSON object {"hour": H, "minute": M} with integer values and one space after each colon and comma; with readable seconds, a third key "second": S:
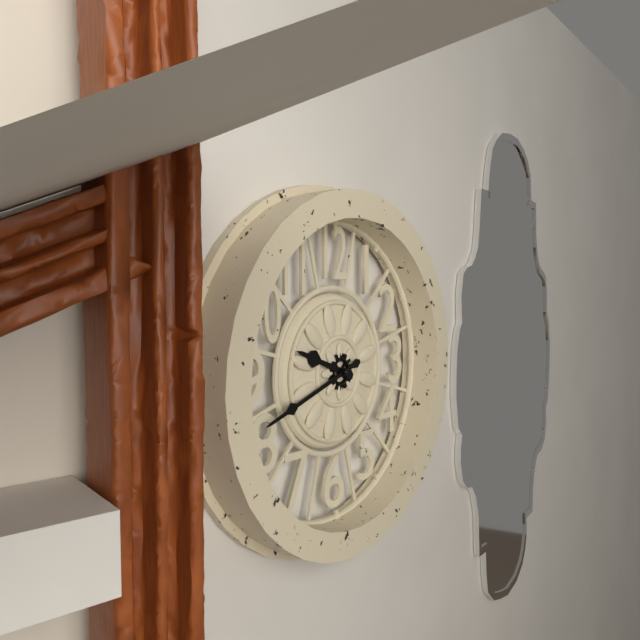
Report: {"hour": 9, "minute": 42}
